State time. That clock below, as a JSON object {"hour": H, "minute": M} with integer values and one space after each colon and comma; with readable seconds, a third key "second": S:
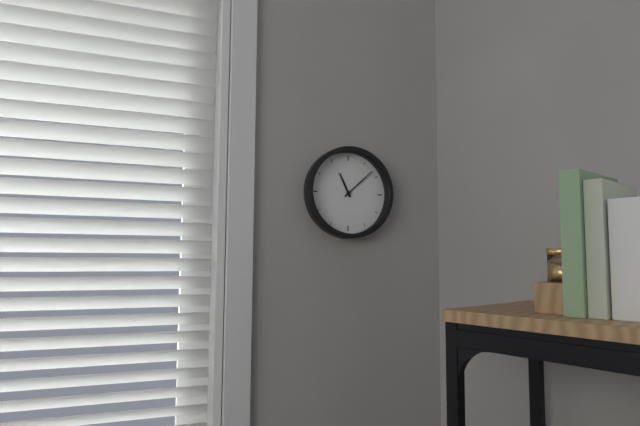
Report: {"hour": 11, "minute": 8}
